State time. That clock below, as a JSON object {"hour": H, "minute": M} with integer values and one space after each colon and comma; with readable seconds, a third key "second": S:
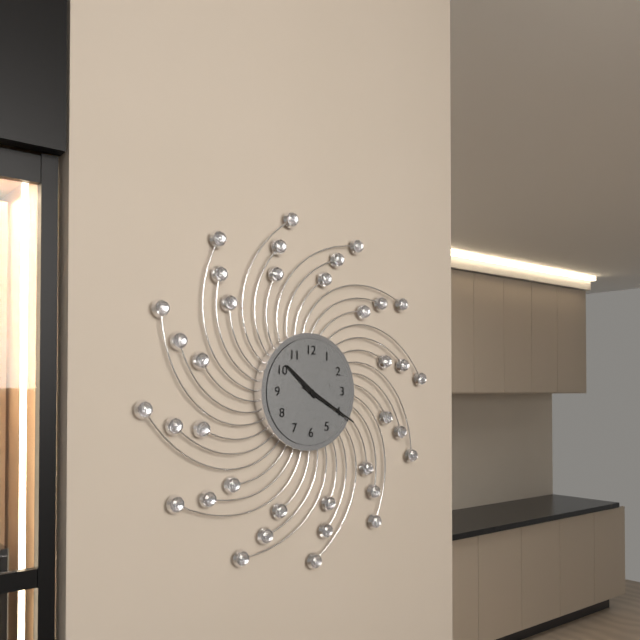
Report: {"hour": 10, "minute": 20}
